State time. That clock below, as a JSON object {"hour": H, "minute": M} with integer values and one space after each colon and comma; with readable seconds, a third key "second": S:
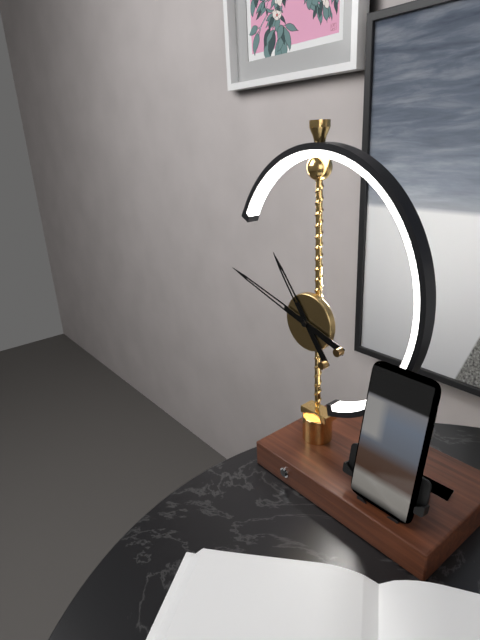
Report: {"hour": 10, "minute": 48}
